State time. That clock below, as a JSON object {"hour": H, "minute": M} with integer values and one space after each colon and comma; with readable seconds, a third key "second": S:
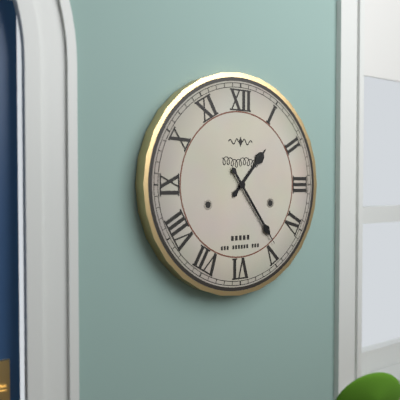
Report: {"hour": 1, "minute": 24}
